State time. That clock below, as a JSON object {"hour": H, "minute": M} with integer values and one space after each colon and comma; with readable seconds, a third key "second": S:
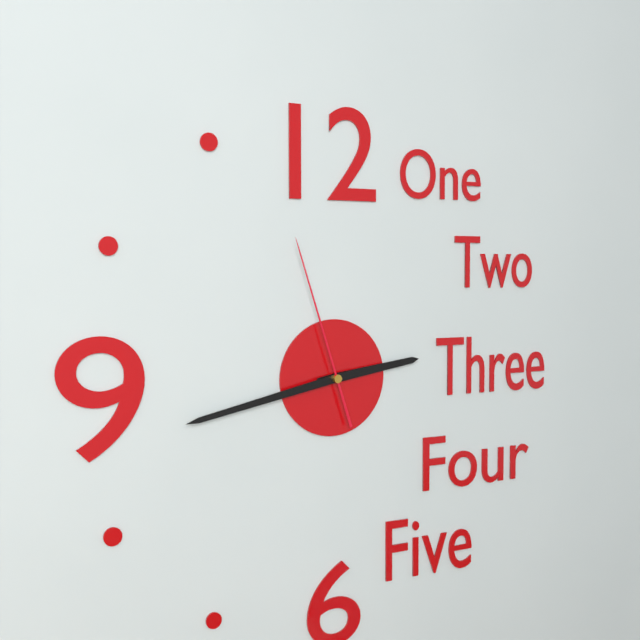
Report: {"hour": 2, "minute": 43, "second": 57}
